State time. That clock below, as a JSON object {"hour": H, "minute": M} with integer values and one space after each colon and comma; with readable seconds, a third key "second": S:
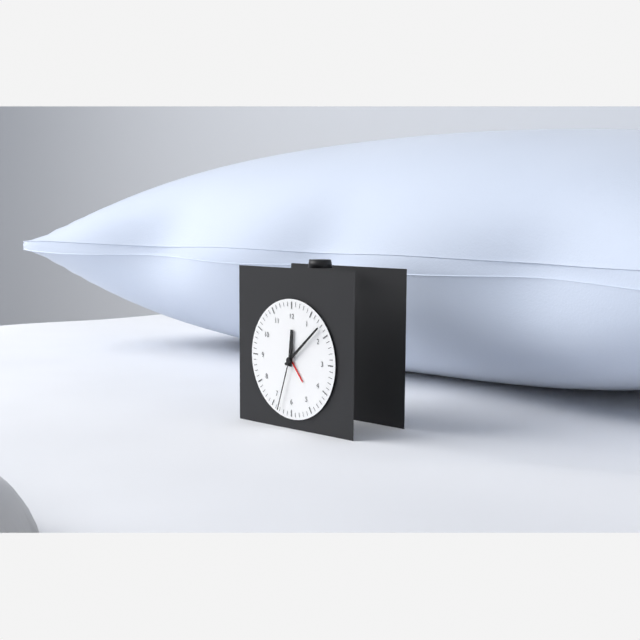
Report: {"hour": 12, "minute": 8, "second": 33}
